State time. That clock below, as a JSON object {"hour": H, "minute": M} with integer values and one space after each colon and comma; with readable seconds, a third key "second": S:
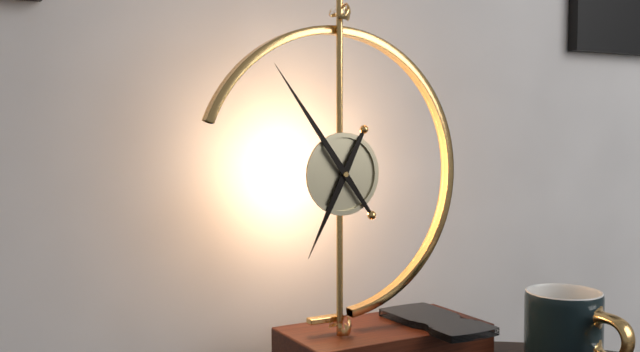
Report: {"hour": 6, "minute": 54}
